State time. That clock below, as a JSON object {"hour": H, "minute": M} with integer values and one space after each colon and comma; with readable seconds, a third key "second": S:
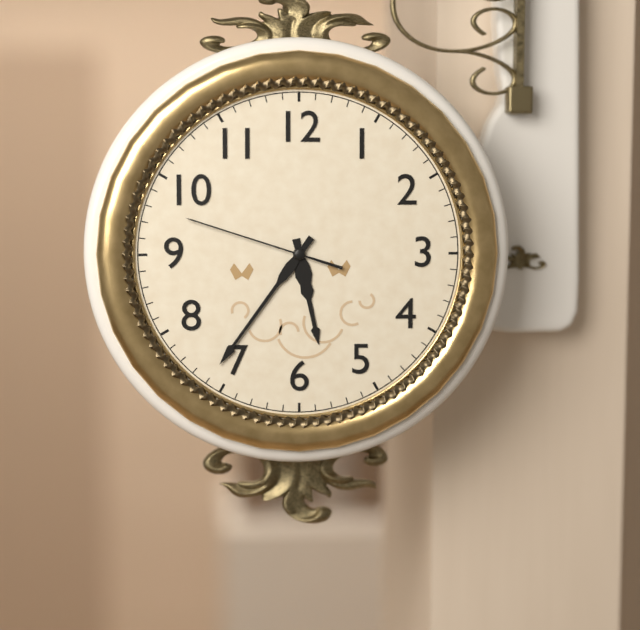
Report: {"hour": 5, "minute": 36, "second": 48}
